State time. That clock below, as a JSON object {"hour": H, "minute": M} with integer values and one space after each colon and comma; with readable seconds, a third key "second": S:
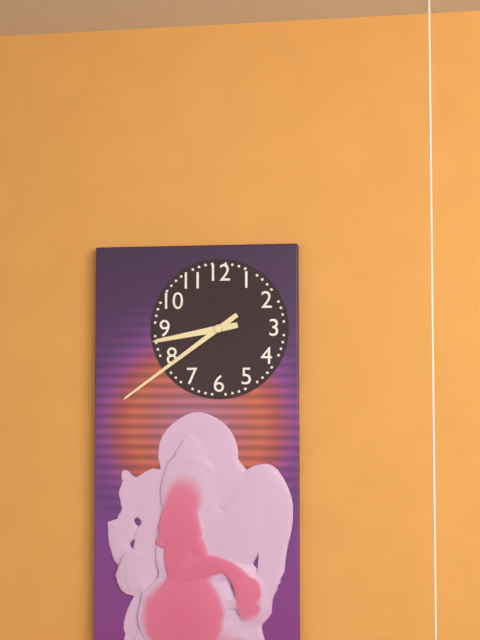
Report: {"hour": 8, "minute": 39}
